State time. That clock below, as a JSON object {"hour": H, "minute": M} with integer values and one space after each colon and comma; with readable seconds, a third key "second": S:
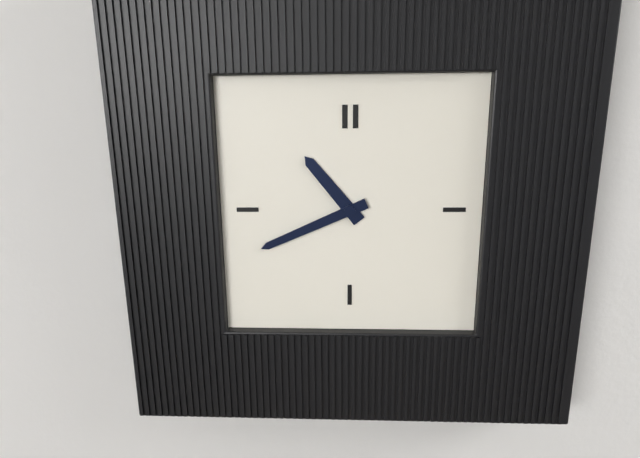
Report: {"hour": 10, "minute": 41}
